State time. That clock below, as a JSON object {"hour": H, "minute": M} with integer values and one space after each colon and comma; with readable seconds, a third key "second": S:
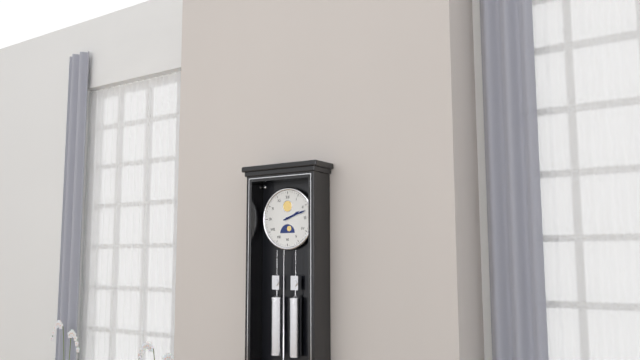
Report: {"hour": 2, "minute": 12}
